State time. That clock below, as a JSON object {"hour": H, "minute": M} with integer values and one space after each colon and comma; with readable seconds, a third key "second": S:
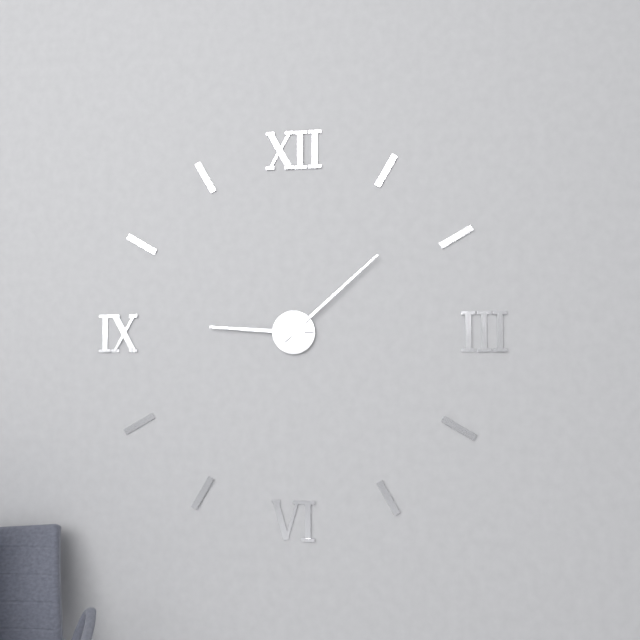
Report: {"hour": 9, "minute": 8}
